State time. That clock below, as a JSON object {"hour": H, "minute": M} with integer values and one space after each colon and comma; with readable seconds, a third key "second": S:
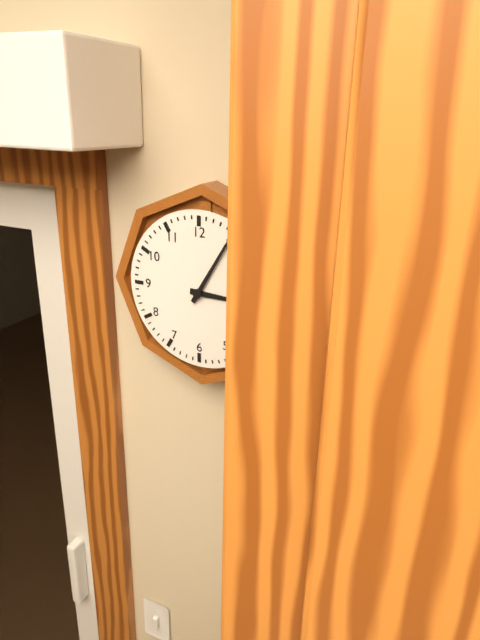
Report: {"hour": 3, "minute": 5}
